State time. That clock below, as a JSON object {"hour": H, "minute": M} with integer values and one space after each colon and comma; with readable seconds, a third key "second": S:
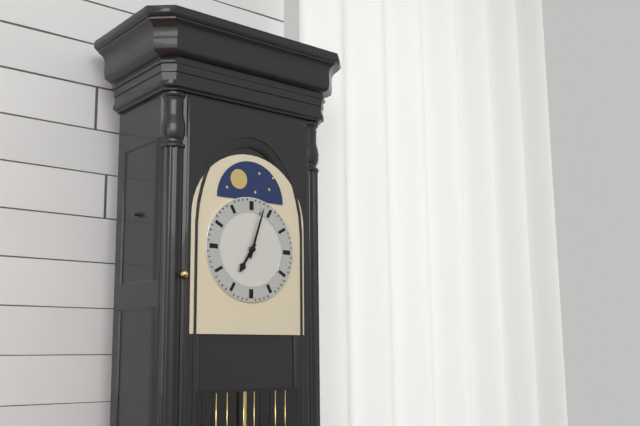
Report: {"hour": 7, "minute": 3}
